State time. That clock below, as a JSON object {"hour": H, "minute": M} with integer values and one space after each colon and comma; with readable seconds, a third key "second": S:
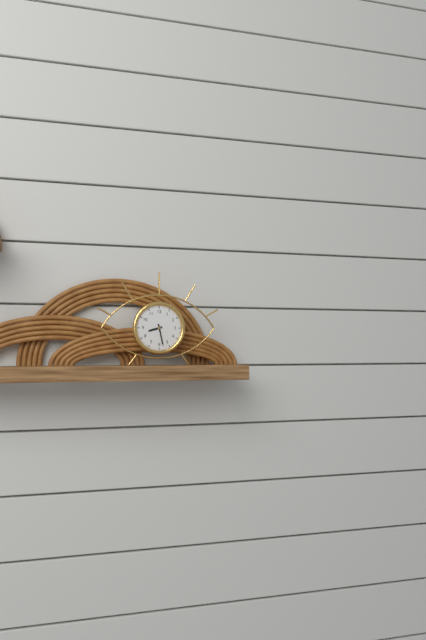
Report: {"hour": 8, "minute": 28}
